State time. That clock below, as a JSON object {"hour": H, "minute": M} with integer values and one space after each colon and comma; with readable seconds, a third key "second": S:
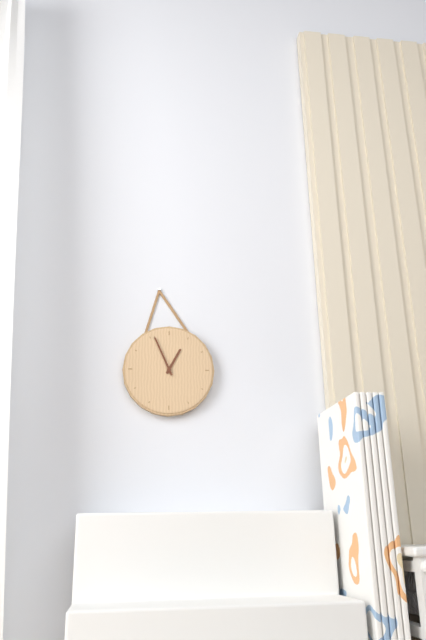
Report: {"hour": 12, "minute": 56}
